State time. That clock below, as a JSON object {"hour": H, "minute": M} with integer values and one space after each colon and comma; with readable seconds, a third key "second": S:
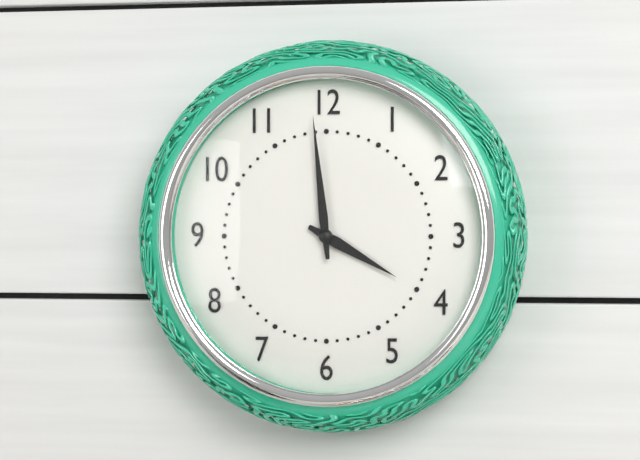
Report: {"hour": 3, "minute": 59}
